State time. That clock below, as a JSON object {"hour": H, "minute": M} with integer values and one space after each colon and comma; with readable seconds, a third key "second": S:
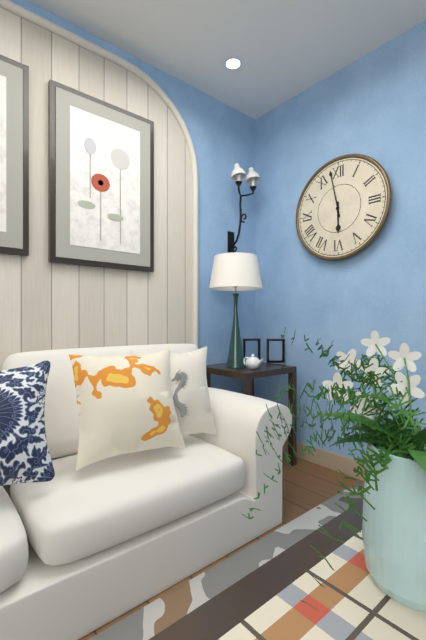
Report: {"hour": 5, "minute": 58}
